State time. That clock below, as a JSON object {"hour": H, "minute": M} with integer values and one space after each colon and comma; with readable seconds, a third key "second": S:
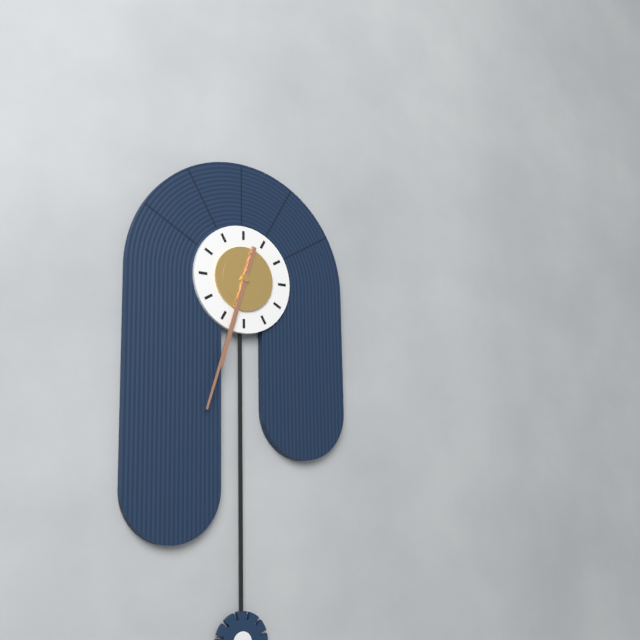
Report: {"hour": 6, "minute": 33}
